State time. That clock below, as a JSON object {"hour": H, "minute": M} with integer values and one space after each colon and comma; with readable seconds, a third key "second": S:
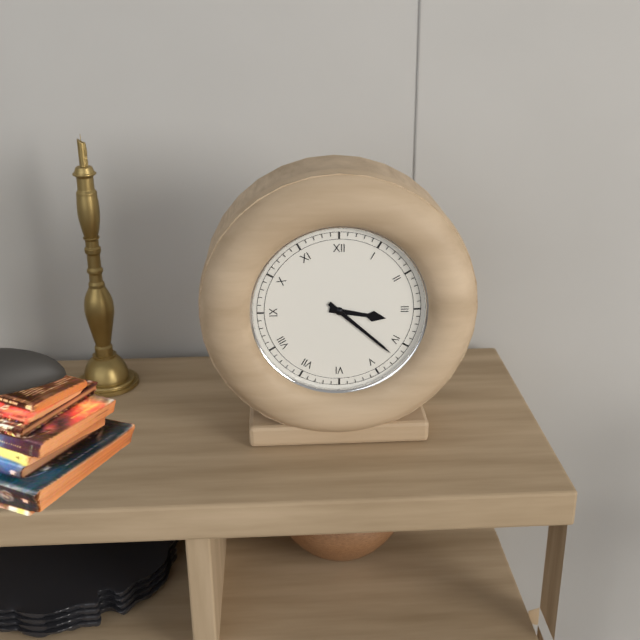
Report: {"hour": 3, "minute": 22}
